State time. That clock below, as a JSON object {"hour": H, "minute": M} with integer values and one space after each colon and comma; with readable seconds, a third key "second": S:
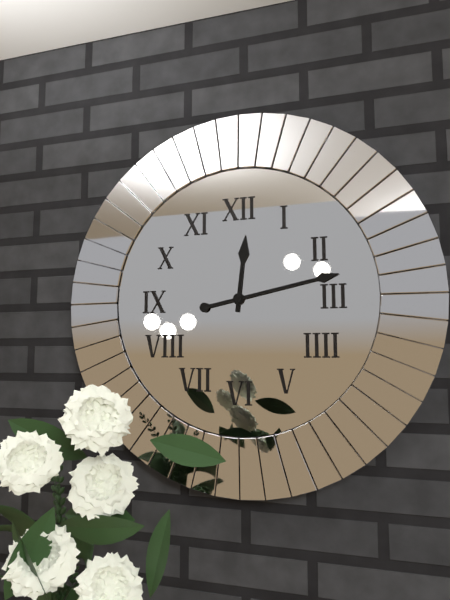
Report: {"hour": 12, "minute": 13}
